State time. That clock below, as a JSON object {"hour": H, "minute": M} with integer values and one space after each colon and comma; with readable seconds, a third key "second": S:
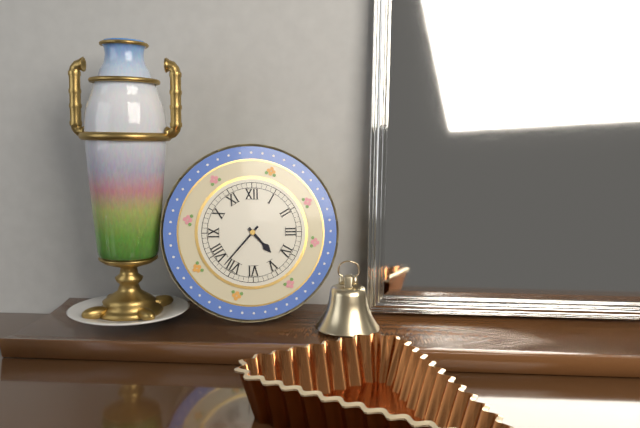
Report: {"hour": 4, "minute": 37}
